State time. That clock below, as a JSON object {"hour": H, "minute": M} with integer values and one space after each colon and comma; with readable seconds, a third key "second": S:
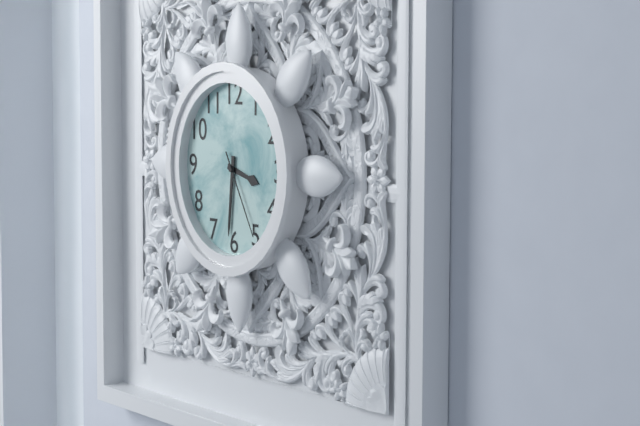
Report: {"hour": 3, "minute": 31, "second": 25}
